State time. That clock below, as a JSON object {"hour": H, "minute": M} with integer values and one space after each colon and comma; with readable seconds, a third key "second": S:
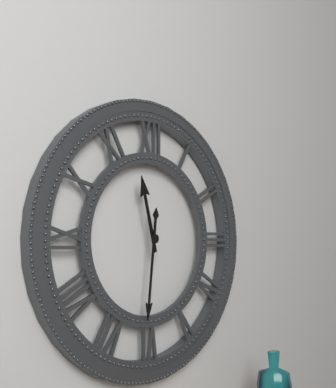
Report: {"hour": 11, "minute": 31}
